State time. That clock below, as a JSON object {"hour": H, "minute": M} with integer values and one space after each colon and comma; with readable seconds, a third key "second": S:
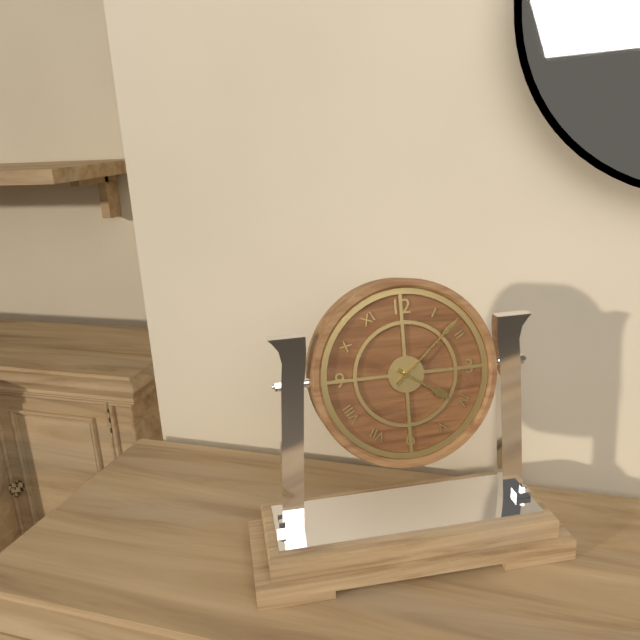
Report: {"hour": 4, "minute": 8}
